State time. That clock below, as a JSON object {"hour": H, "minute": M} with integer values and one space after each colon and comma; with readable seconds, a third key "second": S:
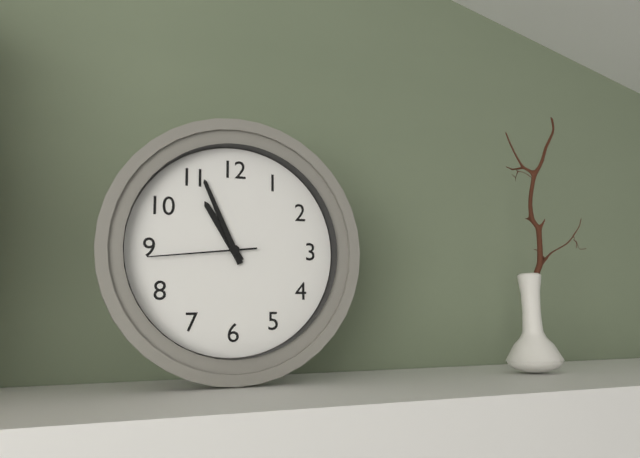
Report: {"hour": 10, "minute": 56, "second": 44}
